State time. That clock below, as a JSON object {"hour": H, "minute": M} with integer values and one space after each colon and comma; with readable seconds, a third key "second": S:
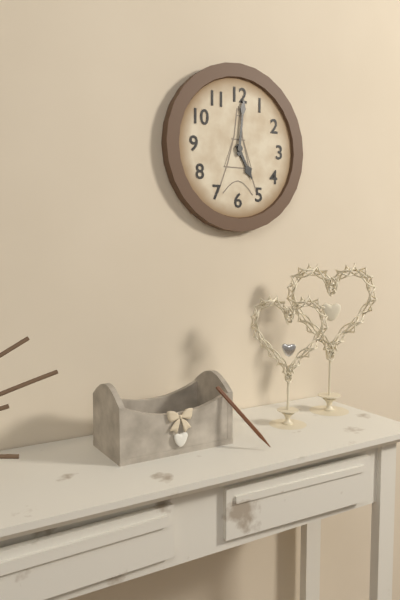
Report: {"hour": 5, "minute": 1}
